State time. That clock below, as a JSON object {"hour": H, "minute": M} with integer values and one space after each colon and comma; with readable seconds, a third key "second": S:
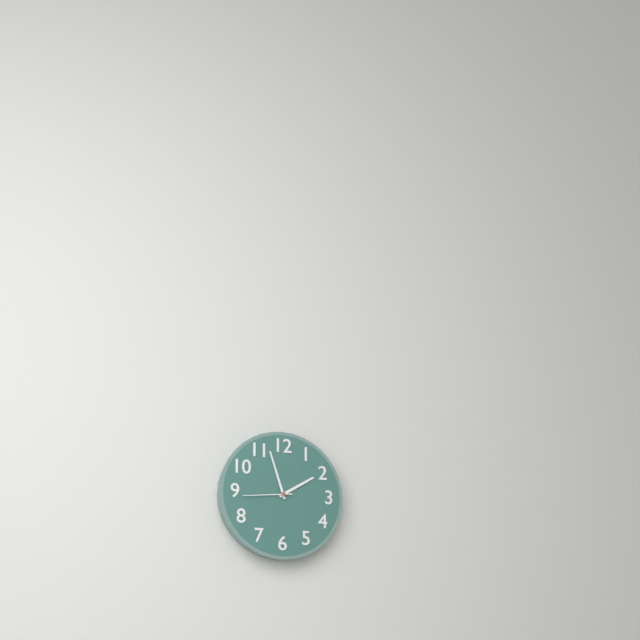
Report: {"hour": 1, "minute": 57, "second": 44}
